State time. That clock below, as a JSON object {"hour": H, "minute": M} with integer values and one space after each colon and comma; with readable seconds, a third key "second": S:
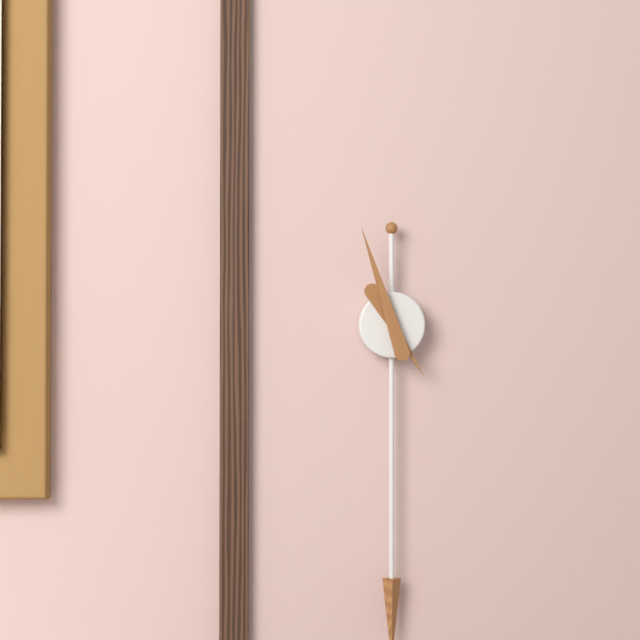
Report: {"hour": 4, "minute": 57}
